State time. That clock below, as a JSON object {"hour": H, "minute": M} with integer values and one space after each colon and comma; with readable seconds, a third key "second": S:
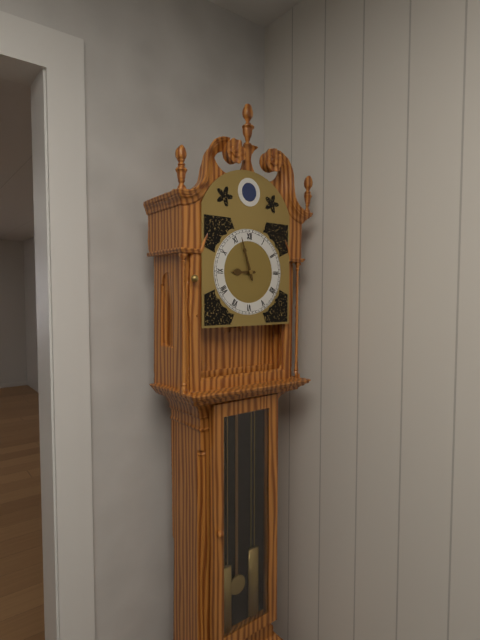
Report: {"hour": 8, "minute": 57}
